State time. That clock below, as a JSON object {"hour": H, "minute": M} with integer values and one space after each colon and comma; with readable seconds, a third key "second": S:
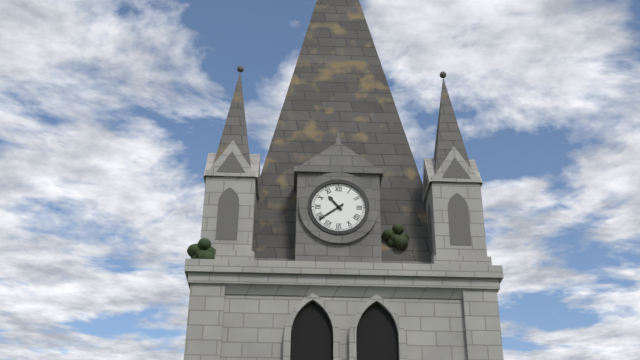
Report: {"hour": 10, "minute": 39}
